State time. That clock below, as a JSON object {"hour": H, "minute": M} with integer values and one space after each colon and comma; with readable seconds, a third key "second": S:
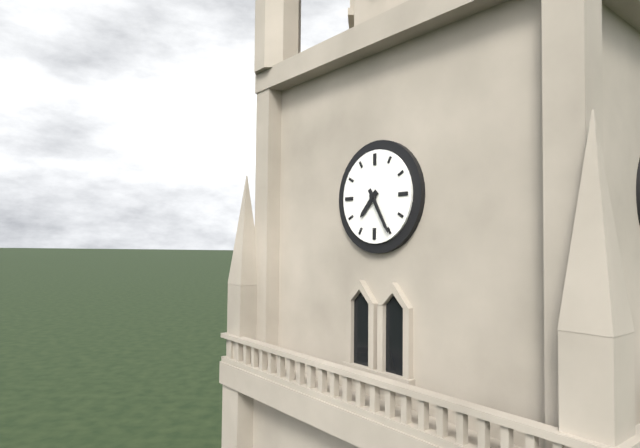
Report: {"hour": 7, "minute": 25}
